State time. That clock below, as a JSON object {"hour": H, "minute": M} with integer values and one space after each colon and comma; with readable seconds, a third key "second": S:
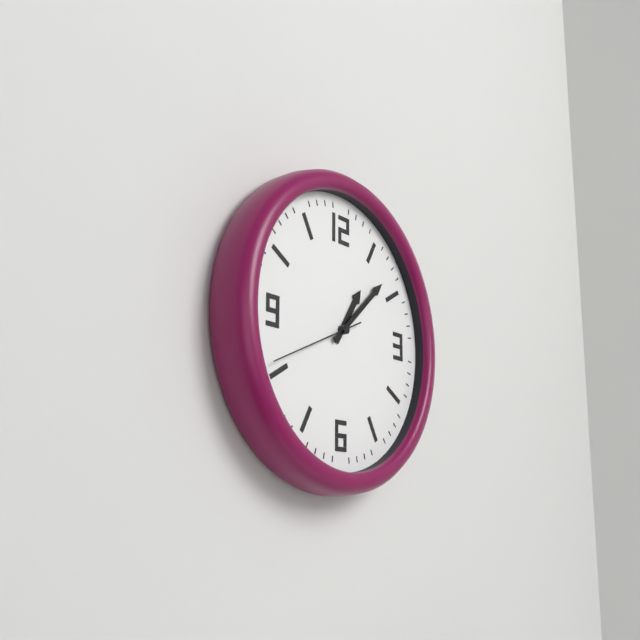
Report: {"hour": 1, "minute": 8, "second": 41}
